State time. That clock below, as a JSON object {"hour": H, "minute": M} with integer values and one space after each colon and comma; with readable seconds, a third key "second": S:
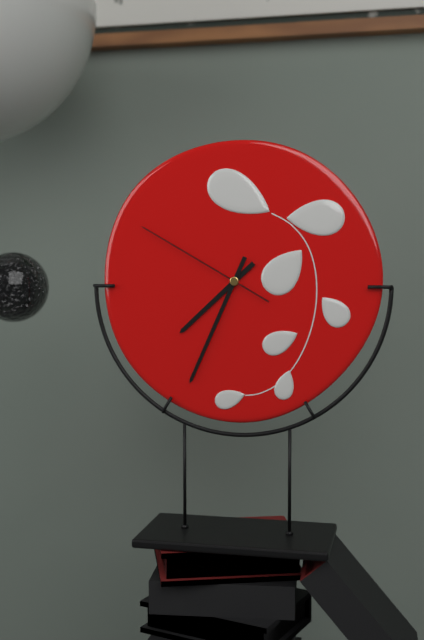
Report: {"hour": 7, "minute": 34, "second": 50}
